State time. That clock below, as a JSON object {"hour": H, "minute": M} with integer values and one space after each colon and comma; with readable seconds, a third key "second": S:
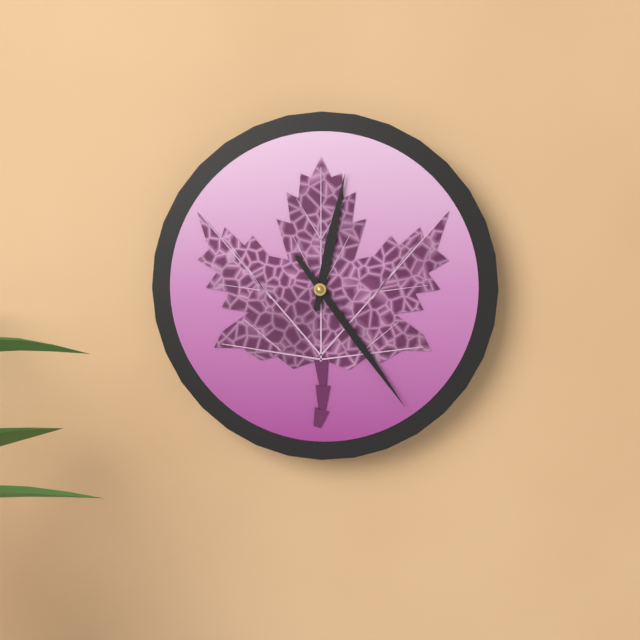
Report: {"hour": 12, "minute": 24}
